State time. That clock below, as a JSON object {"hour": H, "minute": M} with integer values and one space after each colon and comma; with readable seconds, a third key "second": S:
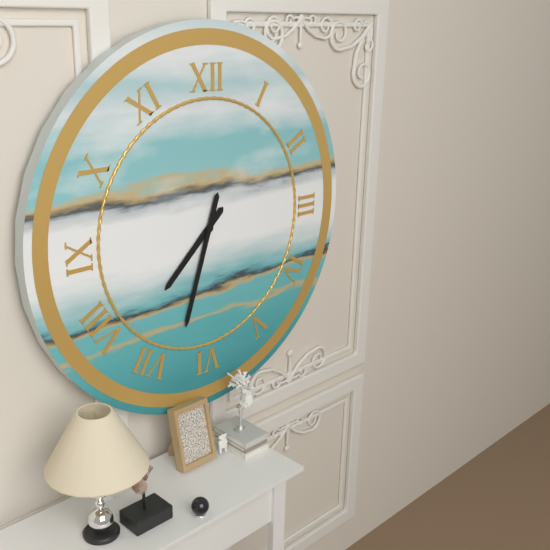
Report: {"hour": 7, "minute": 33}
